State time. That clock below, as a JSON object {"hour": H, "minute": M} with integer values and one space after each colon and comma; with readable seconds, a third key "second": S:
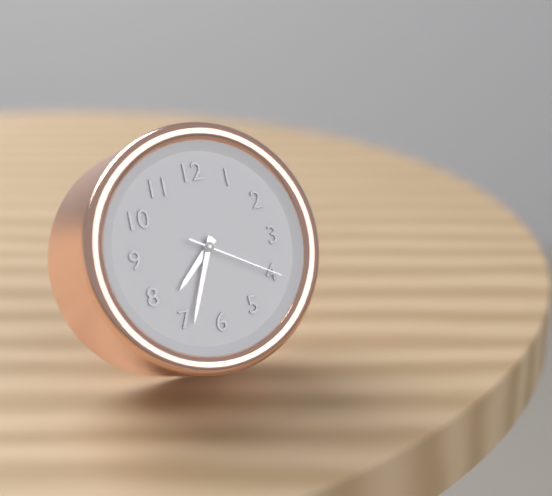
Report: {"hour": 7, "minute": 34, "second": 20}
